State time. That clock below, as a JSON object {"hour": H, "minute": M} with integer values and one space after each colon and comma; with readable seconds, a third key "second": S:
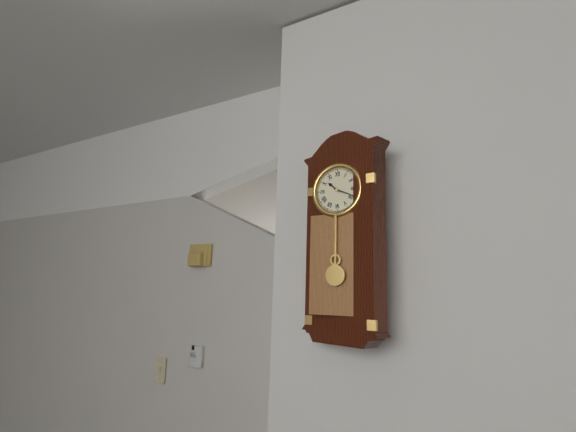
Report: {"hour": 10, "minute": 19}
